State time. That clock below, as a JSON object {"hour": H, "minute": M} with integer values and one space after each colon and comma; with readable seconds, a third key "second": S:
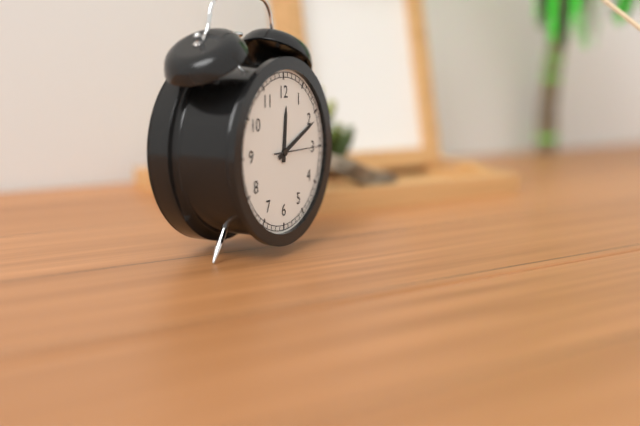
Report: {"hour": 12, "minute": 11}
